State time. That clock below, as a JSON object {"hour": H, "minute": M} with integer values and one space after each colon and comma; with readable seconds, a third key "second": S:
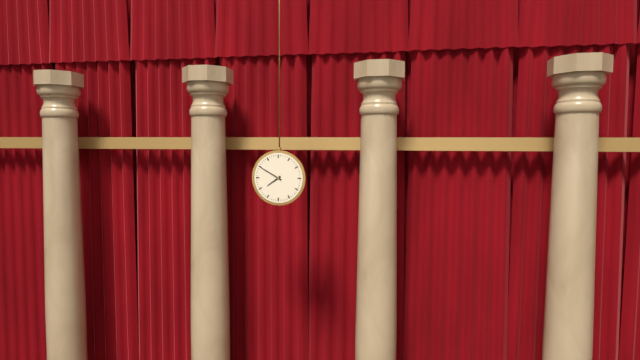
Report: {"hour": 7, "minute": 50}
